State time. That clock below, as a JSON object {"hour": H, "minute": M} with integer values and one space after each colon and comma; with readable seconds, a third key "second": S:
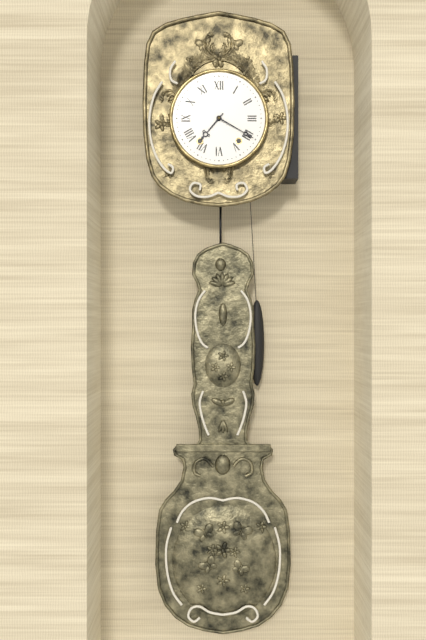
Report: {"hour": 7, "minute": 20}
